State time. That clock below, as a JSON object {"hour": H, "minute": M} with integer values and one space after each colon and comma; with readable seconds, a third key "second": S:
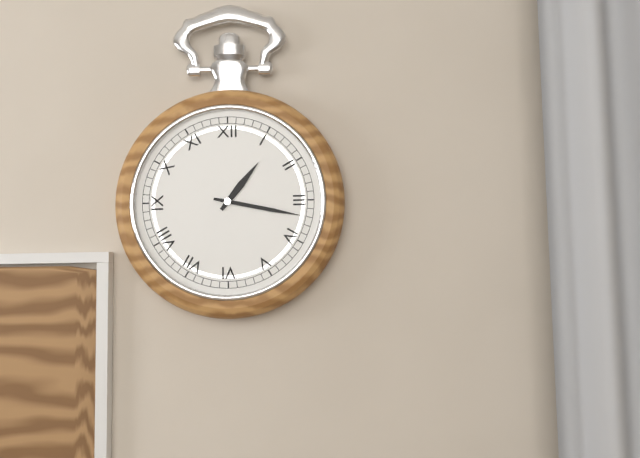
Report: {"hour": 1, "minute": 17}
